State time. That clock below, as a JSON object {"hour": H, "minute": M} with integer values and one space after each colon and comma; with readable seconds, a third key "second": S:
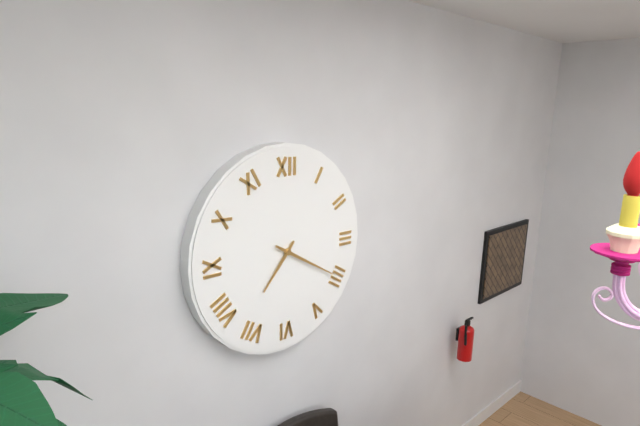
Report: {"hour": 7, "minute": 20}
